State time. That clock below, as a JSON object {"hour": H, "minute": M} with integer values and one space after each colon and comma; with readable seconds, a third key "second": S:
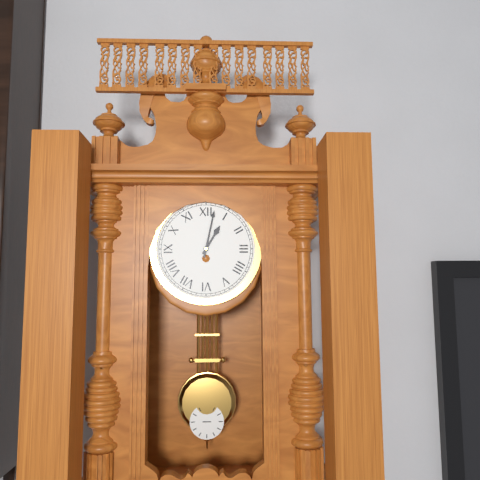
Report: {"hour": 1, "minute": 2}
